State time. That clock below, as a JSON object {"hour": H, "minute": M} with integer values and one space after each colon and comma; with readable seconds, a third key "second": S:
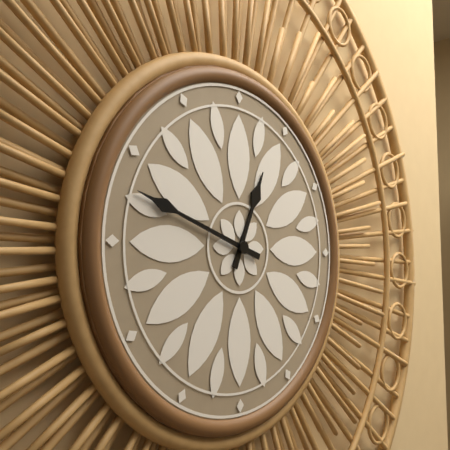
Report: {"hour": 12, "minute": 48}
